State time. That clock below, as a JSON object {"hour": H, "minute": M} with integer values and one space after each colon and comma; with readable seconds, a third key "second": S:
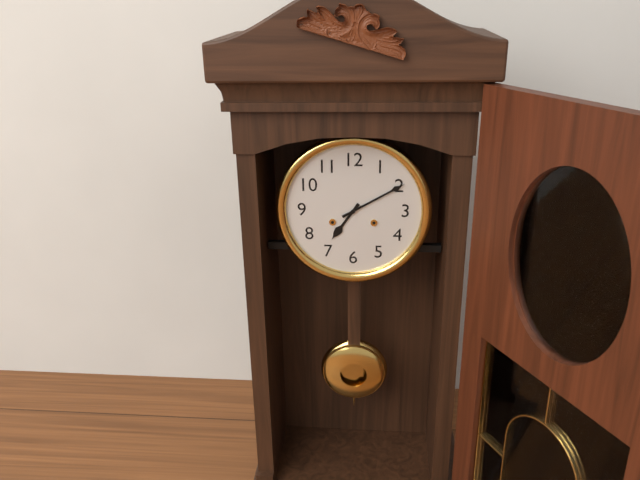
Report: {"hour": 7, "minute": 10}
